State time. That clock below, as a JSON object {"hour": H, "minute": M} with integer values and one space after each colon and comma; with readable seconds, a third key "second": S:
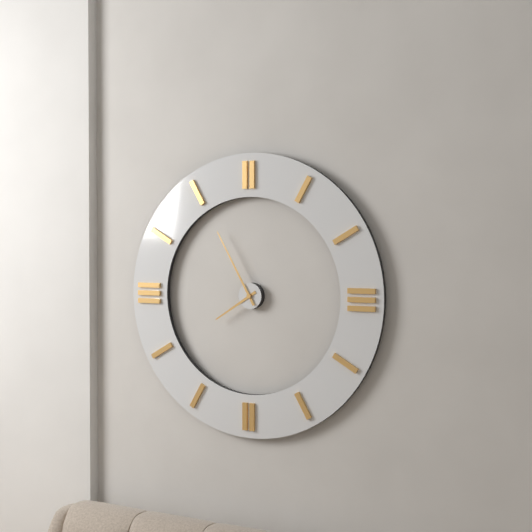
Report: {"hour": 7, "minute": 55}
